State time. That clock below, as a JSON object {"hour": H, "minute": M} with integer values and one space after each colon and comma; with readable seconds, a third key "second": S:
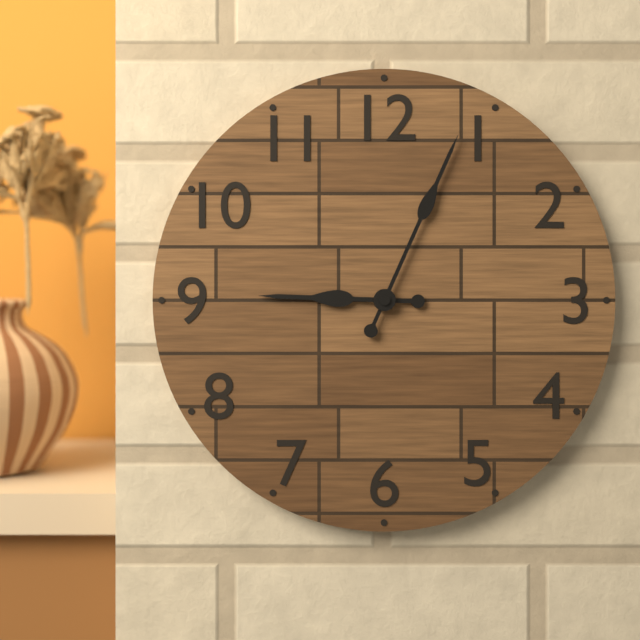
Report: {"hour": 9, "minute": 4}
